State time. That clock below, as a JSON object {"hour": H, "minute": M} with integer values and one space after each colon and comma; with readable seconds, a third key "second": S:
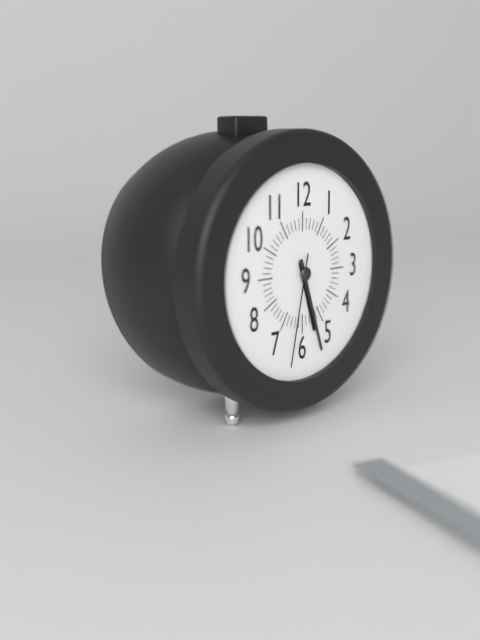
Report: {"hour": 5, "minute": 27, "second": 32}
